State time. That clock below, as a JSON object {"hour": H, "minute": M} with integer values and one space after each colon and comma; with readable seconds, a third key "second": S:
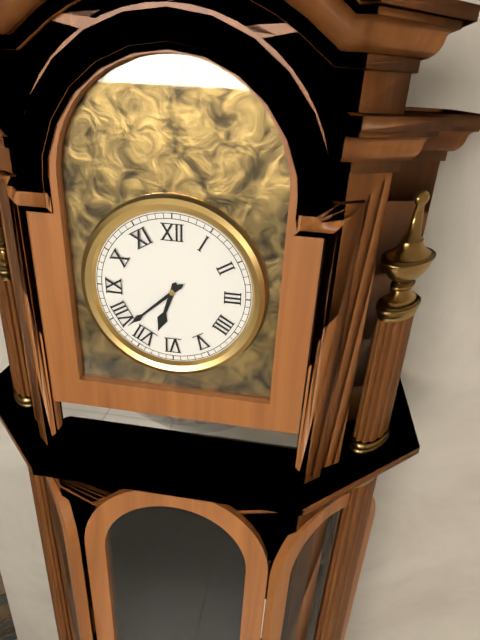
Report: {"hour": 6, "minute": 38}
